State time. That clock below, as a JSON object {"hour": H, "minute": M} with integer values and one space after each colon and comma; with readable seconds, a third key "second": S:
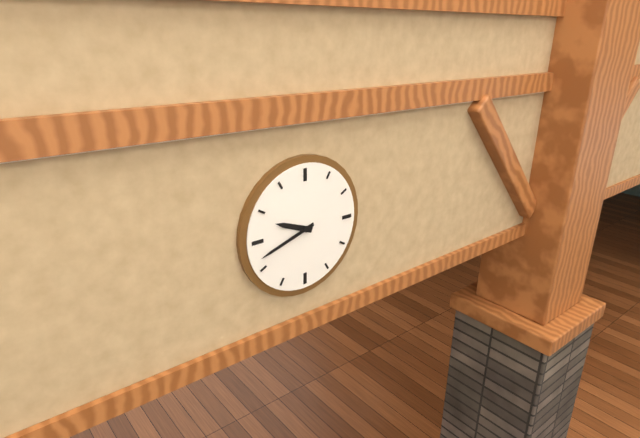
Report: {"hour": 9, "minute": 42}
